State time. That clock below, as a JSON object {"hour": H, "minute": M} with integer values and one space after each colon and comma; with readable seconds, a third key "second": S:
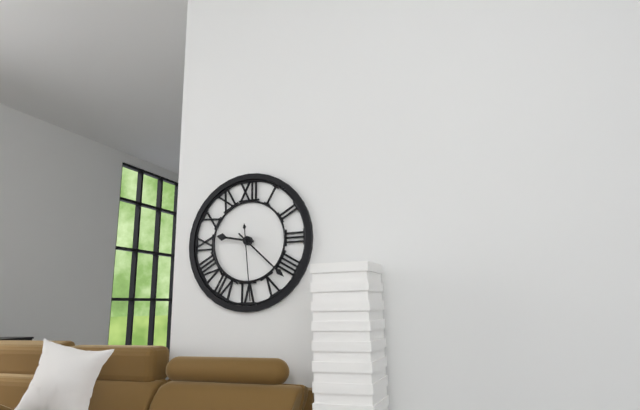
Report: {"hour": 9, "minute": 22, "second": 29}
